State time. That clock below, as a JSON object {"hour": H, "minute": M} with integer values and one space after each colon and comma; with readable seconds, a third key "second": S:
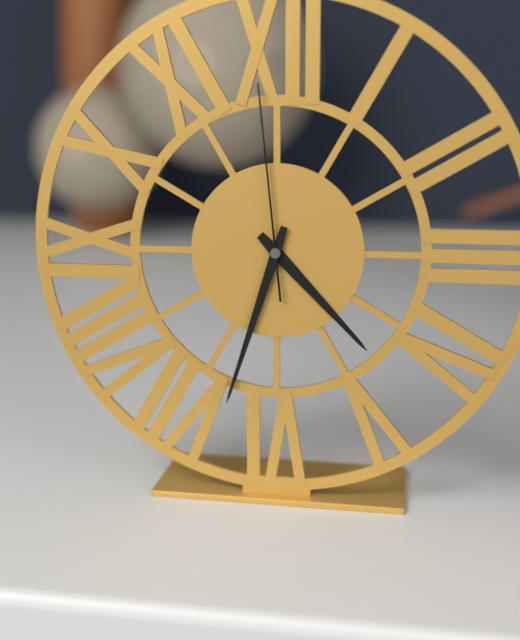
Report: {"hour": 4, "minute": 33, "second": 59}
